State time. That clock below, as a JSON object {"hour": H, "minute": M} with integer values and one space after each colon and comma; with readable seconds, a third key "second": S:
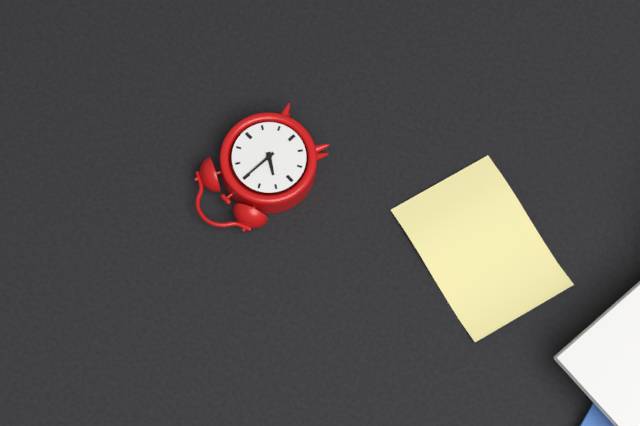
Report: {"hour": 10, "minute": 0}
